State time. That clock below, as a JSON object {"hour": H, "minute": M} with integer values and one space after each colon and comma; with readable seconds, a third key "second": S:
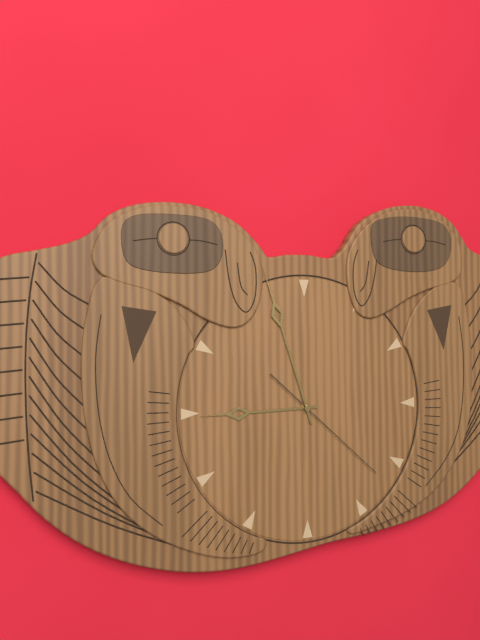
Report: {"hour": 8, "minute": 57, "second": 22}
